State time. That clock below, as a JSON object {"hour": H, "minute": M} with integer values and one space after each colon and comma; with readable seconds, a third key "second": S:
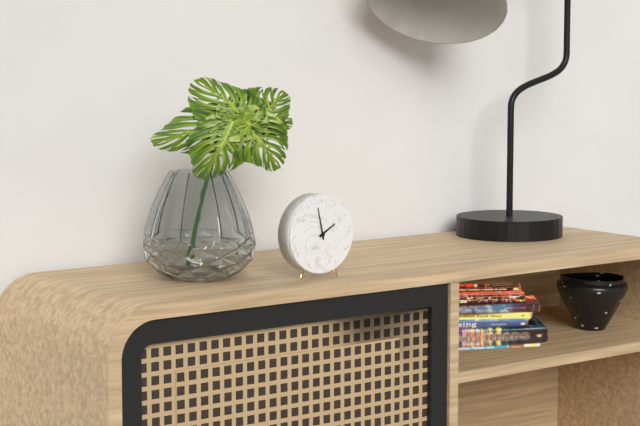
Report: {"hour": 1, "minute": 58}
